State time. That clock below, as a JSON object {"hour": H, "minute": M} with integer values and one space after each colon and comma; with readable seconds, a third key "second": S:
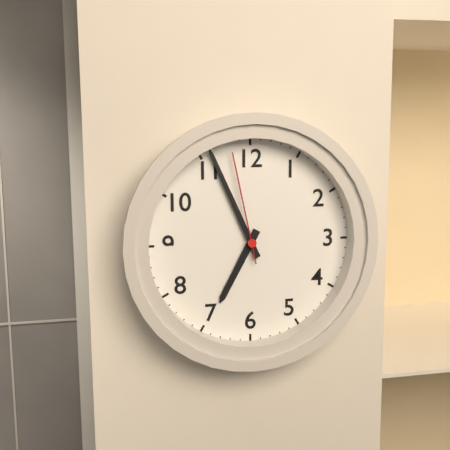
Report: {"hour": 6, "minute": 56, "second": 58}
